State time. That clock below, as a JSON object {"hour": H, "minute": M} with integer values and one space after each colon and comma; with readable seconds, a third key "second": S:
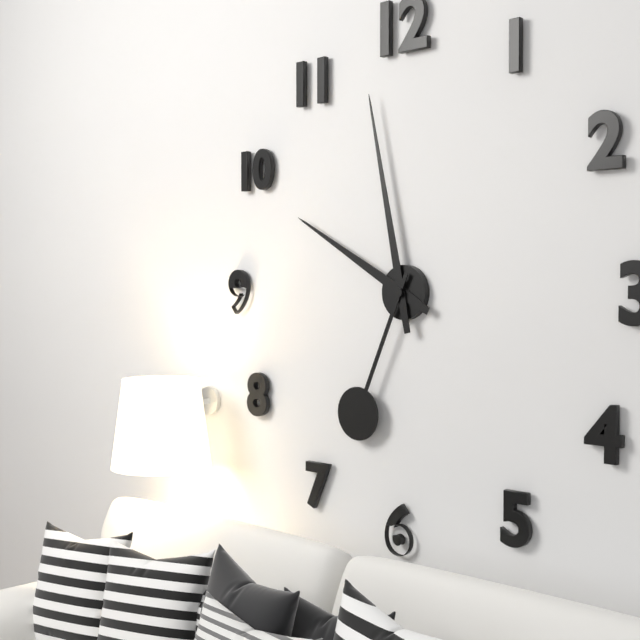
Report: {"hour": 9, "minute": 58, "second": 34}
